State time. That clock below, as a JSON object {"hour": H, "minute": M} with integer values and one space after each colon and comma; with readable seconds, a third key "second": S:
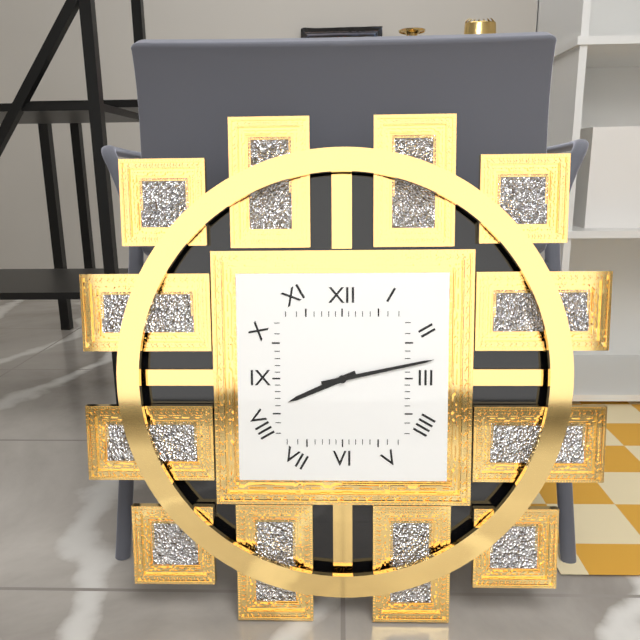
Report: {"hour": 8, "minute": 13}
